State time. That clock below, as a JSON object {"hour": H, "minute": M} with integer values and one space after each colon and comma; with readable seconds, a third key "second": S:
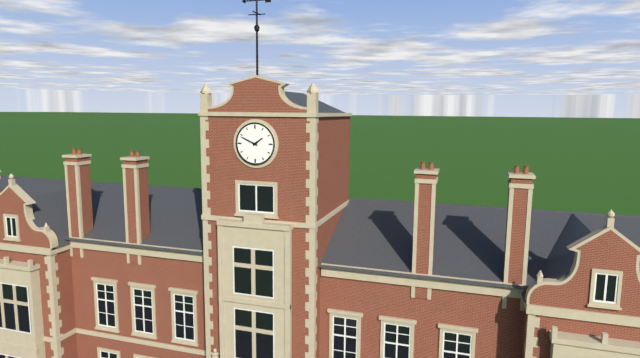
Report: {"hour": 1, "minute": 49}
